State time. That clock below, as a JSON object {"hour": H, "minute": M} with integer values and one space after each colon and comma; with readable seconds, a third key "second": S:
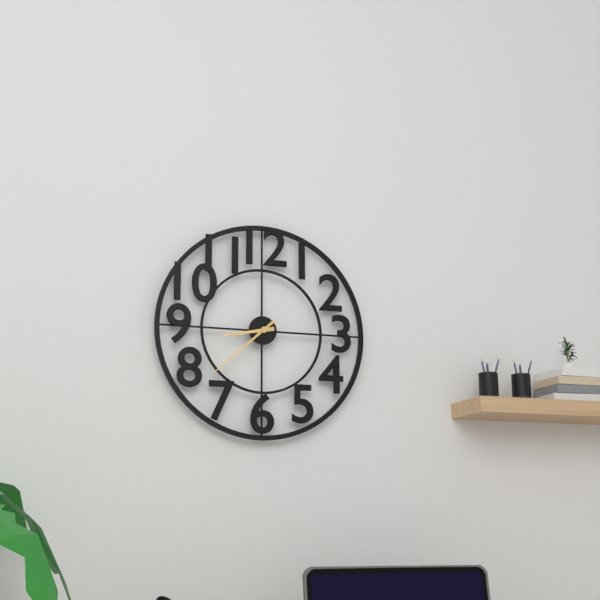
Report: {"hour": 8, "minute": 38}
